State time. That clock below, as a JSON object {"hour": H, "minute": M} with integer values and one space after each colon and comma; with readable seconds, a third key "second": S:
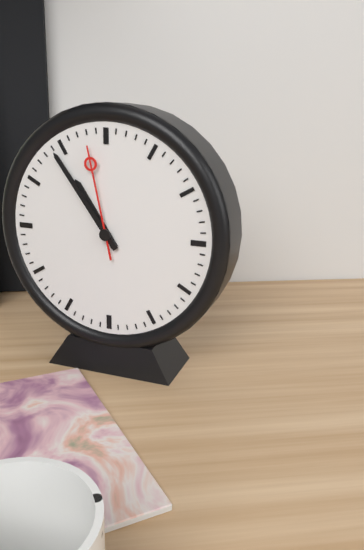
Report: {"hour": 10, "minute": 54, "second": 58}
